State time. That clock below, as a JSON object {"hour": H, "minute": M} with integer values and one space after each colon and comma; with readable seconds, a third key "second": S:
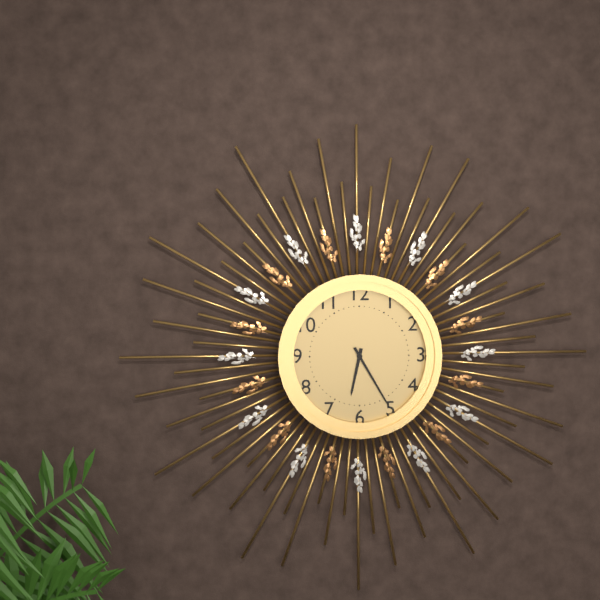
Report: {"hour": 6, "minute": 25}
